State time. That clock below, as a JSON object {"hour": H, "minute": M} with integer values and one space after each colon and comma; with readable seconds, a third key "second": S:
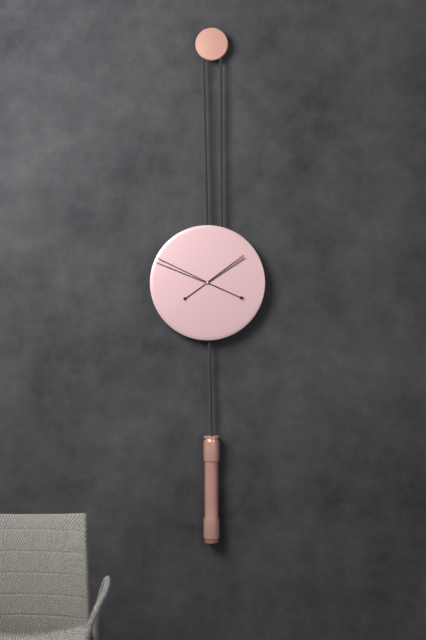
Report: {"hour": 1, "minute": 49}
